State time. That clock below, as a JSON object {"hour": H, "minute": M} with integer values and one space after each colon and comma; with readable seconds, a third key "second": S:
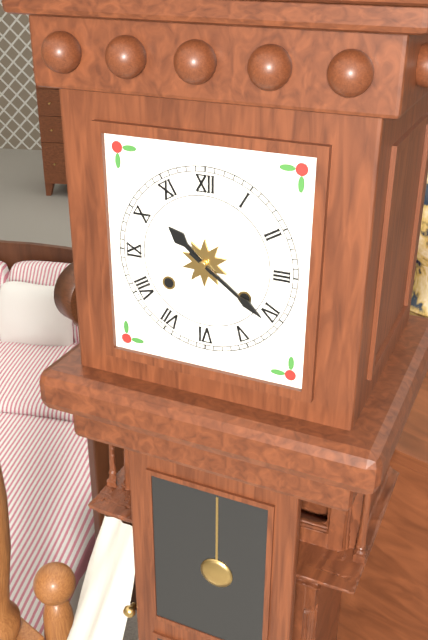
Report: {"hour": 10, "minute": 21}
